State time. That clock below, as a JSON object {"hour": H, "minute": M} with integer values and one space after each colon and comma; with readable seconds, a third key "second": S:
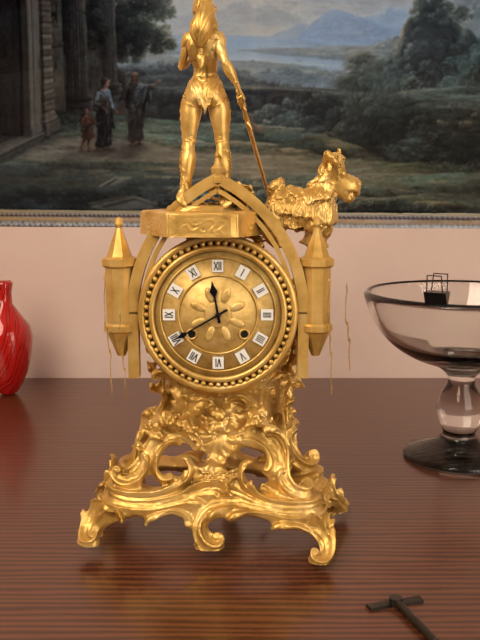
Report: {"hour": 11, "minute": 40}
